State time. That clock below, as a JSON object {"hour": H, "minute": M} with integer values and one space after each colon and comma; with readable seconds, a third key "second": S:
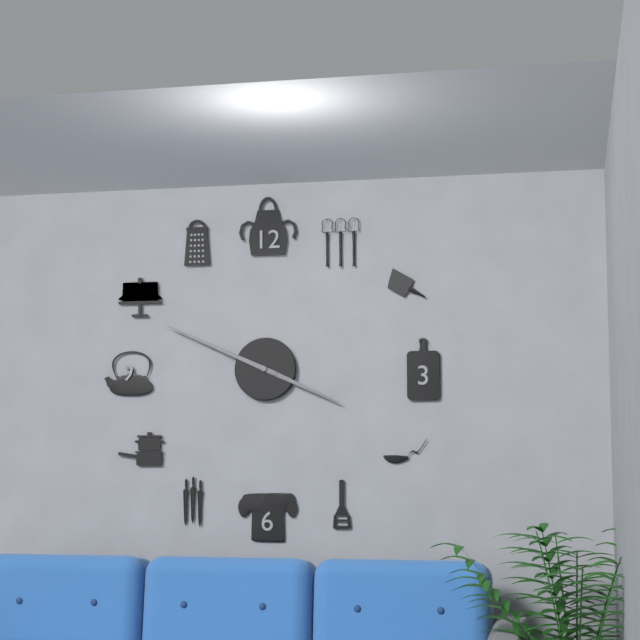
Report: {"hour": 3, "minute": 49}
